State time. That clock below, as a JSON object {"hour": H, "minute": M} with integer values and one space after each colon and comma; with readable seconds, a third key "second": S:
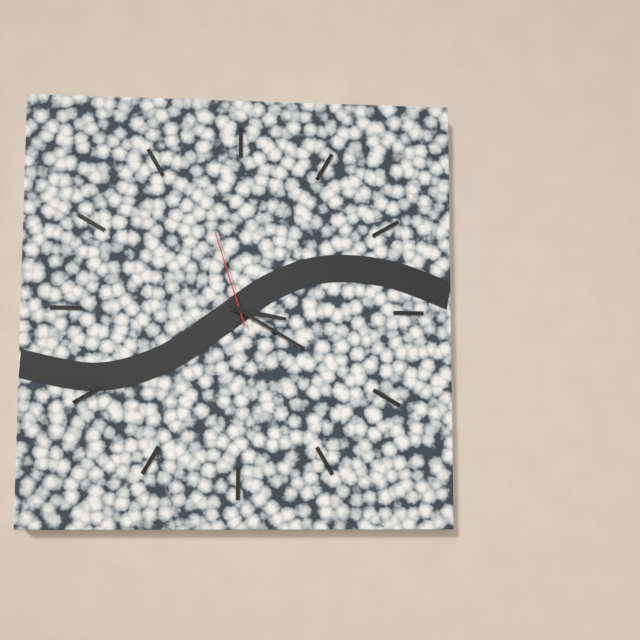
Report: {"hour": 3, "minute": 20, "second": 57}
